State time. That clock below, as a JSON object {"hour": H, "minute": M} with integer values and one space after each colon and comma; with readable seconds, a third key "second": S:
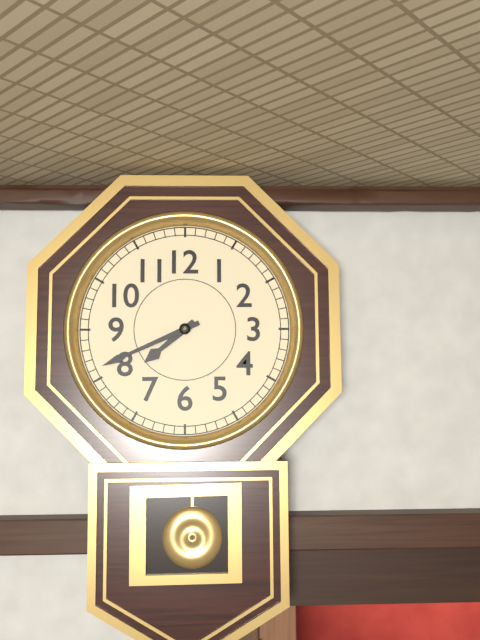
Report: {"hour": 7, "minute": 41}
